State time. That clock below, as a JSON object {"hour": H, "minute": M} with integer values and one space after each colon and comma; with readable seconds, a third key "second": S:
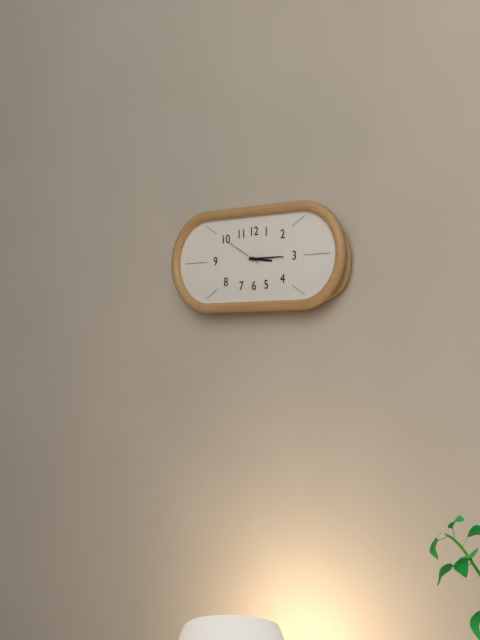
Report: {"hour": 3, "minute": 15}
